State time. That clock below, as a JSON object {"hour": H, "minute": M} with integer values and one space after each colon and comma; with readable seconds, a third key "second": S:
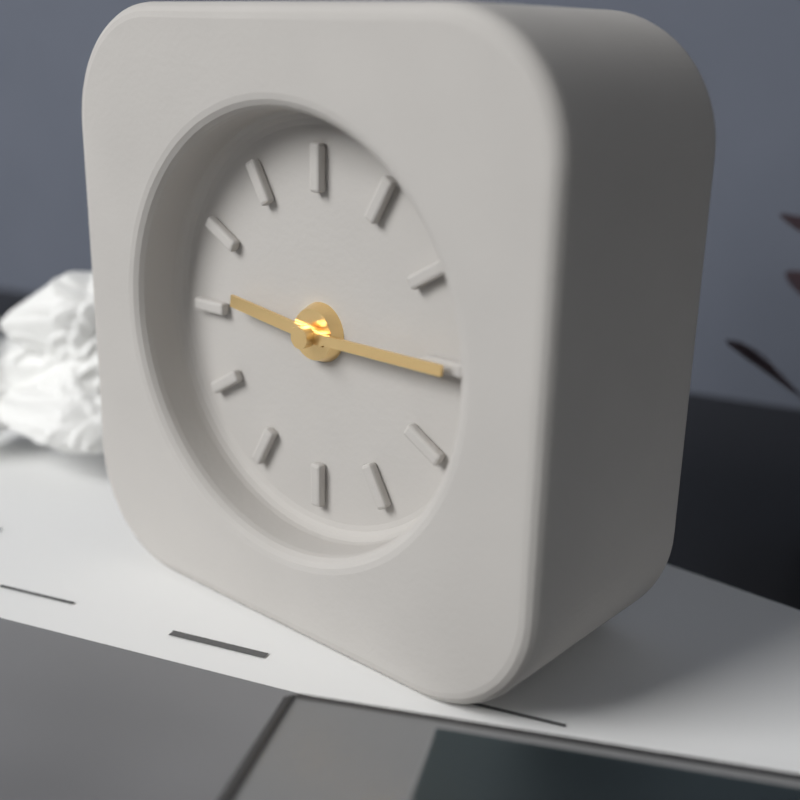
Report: {"hour": 9, "minute": 15}
